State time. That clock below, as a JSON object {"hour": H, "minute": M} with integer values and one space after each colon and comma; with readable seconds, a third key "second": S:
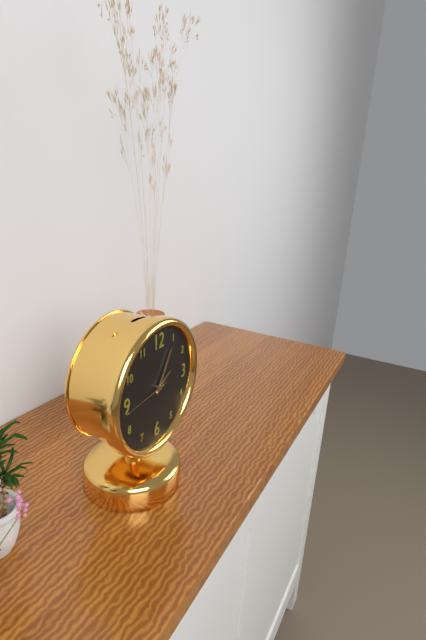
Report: {"hour": 2, "minute": 5, "second": 44}
